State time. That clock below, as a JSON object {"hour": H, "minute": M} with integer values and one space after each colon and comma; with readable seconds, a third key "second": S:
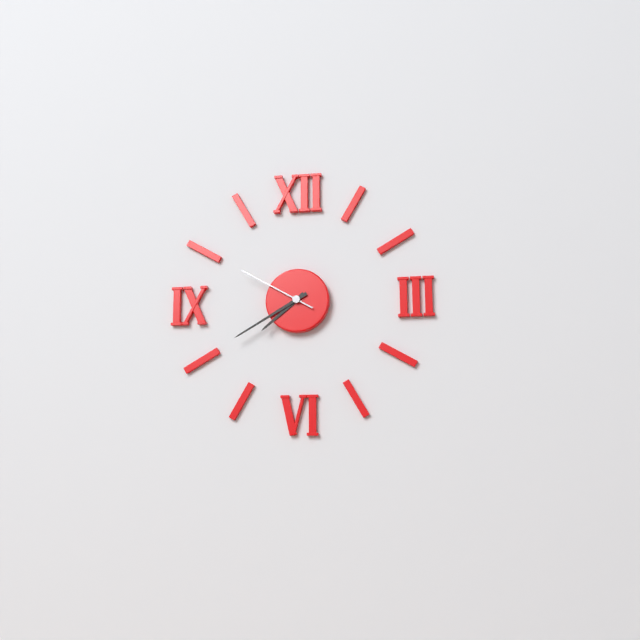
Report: {"hour": 7, "minute": 40, "second": 50}
